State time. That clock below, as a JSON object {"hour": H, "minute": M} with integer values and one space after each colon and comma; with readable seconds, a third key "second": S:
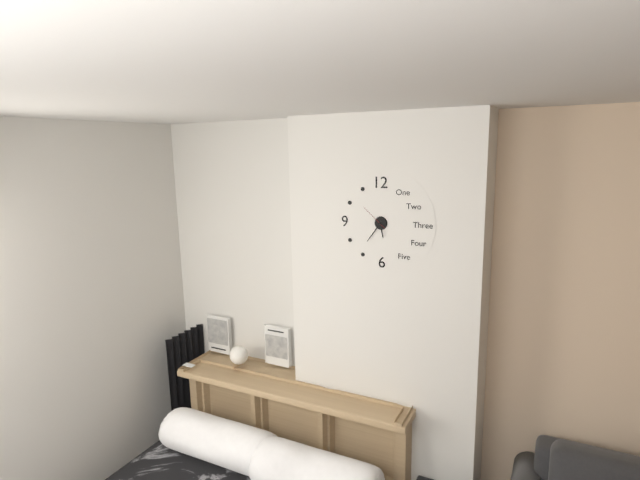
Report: {"hour": 5, "minute": 36}
